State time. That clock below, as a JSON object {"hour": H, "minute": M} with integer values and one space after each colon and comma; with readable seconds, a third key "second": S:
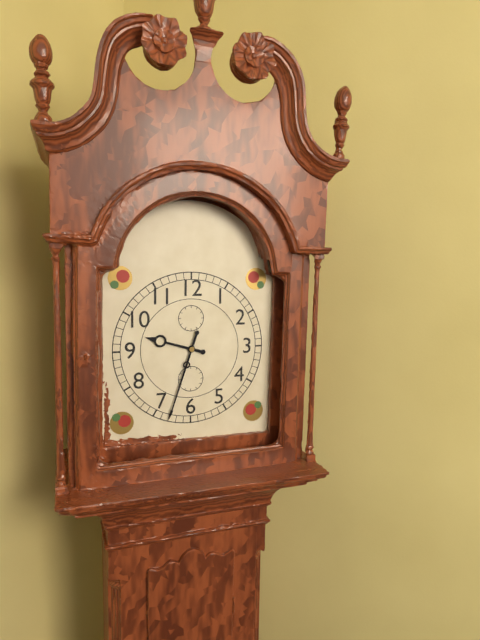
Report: {"hour": 9, "minute": 33}
